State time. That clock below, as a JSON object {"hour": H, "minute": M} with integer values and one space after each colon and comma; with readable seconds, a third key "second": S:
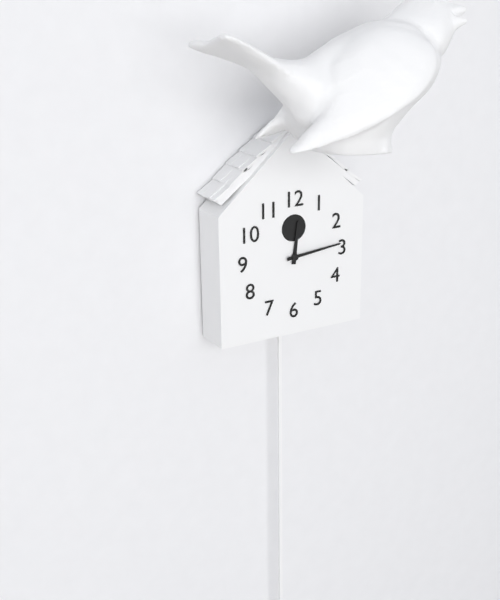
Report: {"hour": 12, "minute": 14}
